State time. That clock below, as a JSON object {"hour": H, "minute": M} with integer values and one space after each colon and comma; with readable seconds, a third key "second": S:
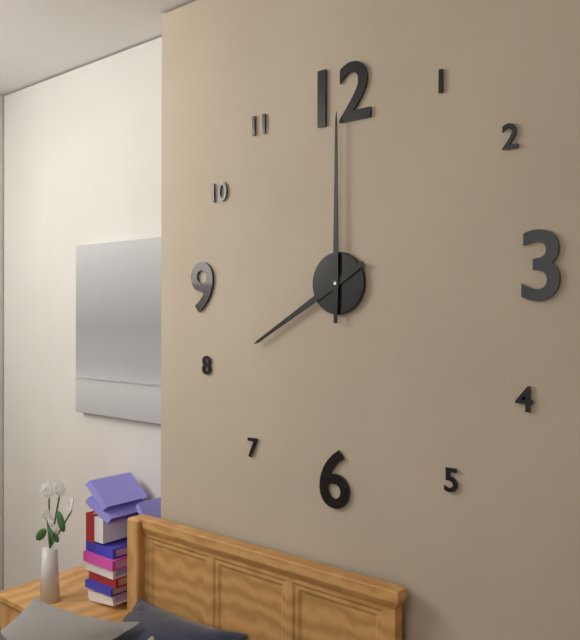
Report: {"hour": 8, "minute": 0}
